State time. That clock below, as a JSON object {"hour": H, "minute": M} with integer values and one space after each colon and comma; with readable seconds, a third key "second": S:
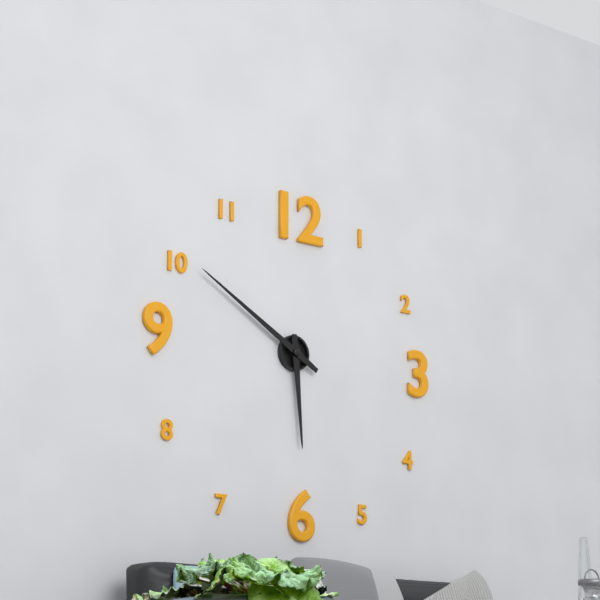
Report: {"hour": 5, "minute": 50}
